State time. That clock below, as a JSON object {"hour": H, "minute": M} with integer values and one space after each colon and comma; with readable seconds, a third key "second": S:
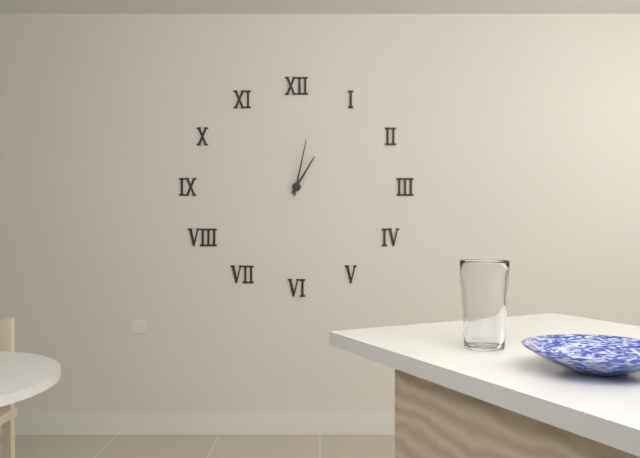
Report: {"hour": 1, "minute": 2}
